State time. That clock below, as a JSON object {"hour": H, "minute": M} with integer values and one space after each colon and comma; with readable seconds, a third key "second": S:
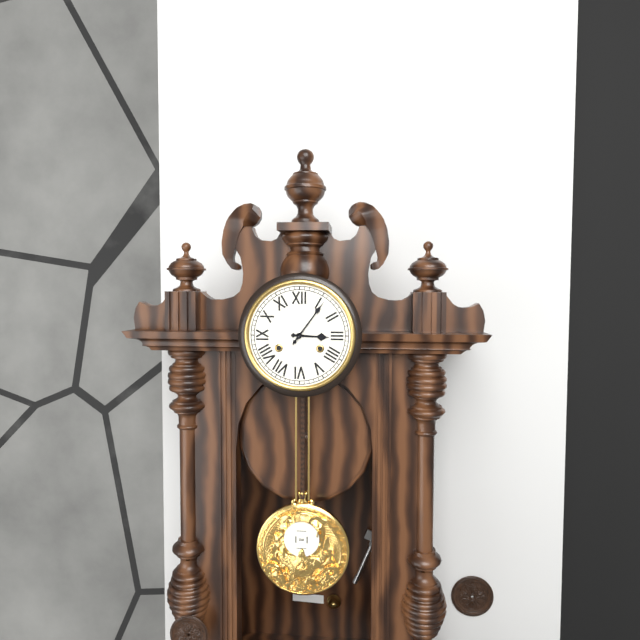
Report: {"hour": 3, "minute": 6}
